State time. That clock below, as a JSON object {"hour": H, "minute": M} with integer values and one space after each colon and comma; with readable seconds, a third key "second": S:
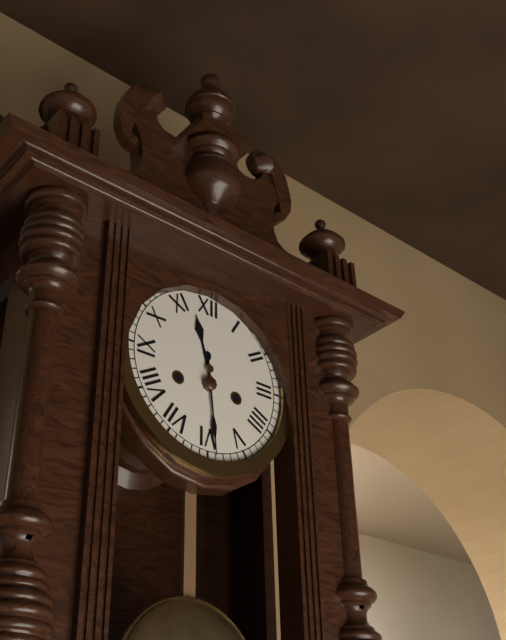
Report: {"hour": 11, "minute": 29}
